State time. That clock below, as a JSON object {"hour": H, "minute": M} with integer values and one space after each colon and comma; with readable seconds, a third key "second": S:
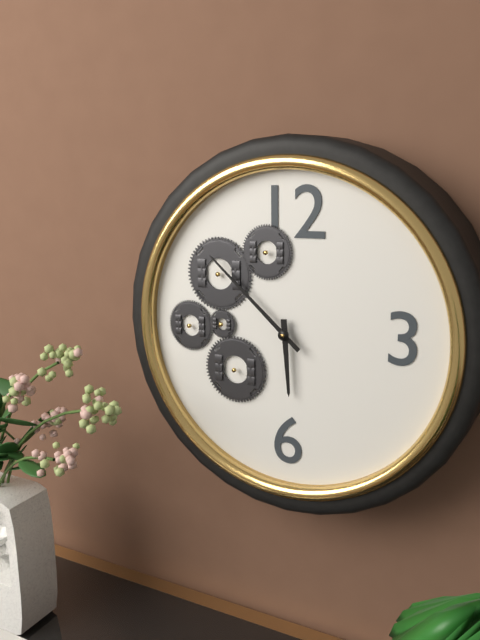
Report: {"hour": 5, "minute": 52}
